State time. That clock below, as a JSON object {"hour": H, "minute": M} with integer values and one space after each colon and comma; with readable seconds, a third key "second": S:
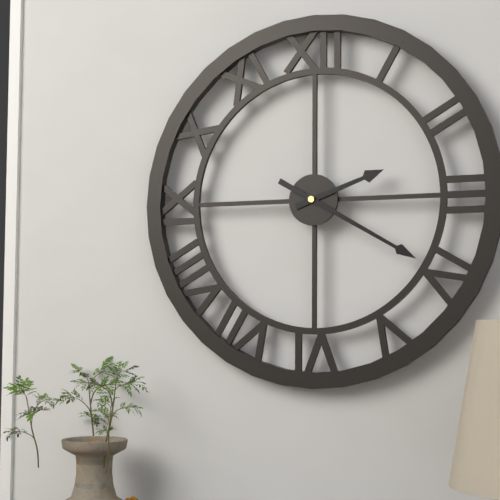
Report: {"hour": 2, "minute": 20}
